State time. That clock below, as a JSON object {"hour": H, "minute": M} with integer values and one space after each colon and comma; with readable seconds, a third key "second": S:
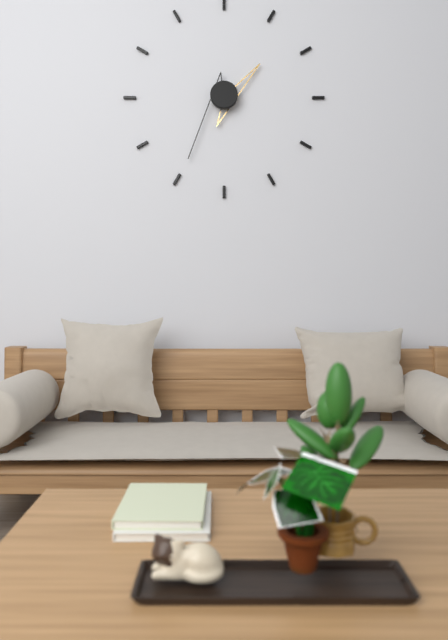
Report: {"hour": 1, "minute": 35}
